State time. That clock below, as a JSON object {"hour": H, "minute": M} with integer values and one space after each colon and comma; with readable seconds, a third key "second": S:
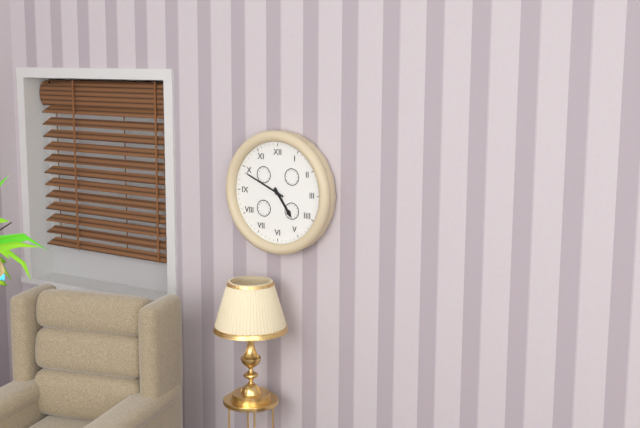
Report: {"hour": 4, "minute": 49}
